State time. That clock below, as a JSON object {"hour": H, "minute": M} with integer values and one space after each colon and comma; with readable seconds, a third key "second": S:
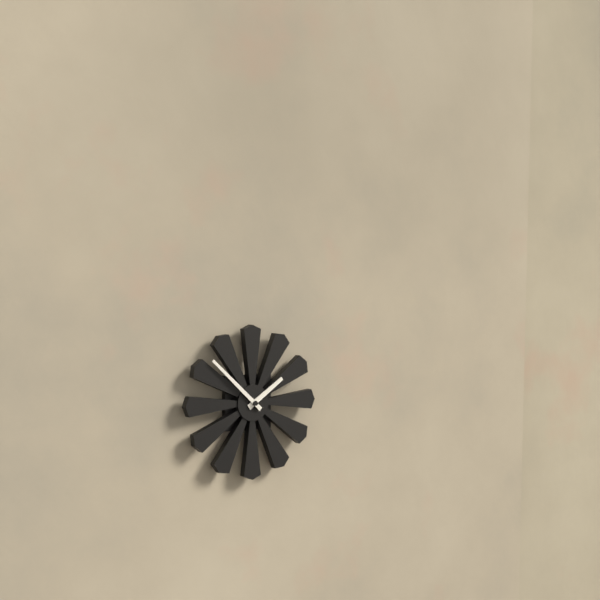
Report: {"hour": 1, "minute": 52}
